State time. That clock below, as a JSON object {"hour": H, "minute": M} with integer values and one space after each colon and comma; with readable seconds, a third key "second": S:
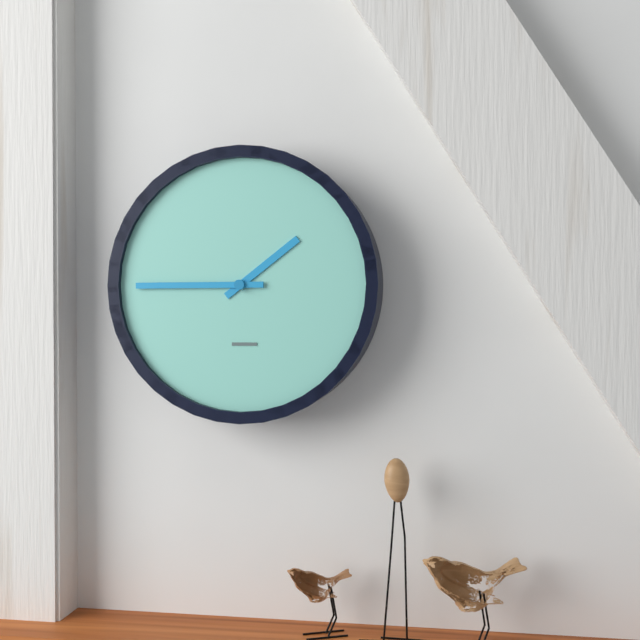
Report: {"hour": 1, "minute": 45}
